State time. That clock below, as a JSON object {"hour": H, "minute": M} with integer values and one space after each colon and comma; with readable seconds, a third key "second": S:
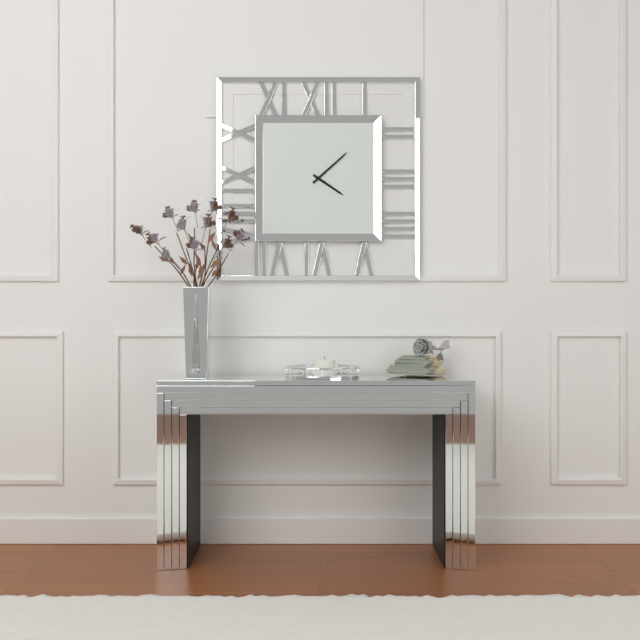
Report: {"hour": 4, "minute": 8}
